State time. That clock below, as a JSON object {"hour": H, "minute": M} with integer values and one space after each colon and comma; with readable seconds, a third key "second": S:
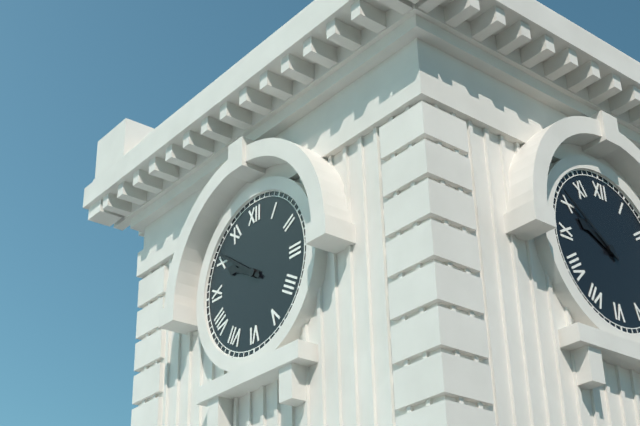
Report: {"hour": 9, "minute": 51}
